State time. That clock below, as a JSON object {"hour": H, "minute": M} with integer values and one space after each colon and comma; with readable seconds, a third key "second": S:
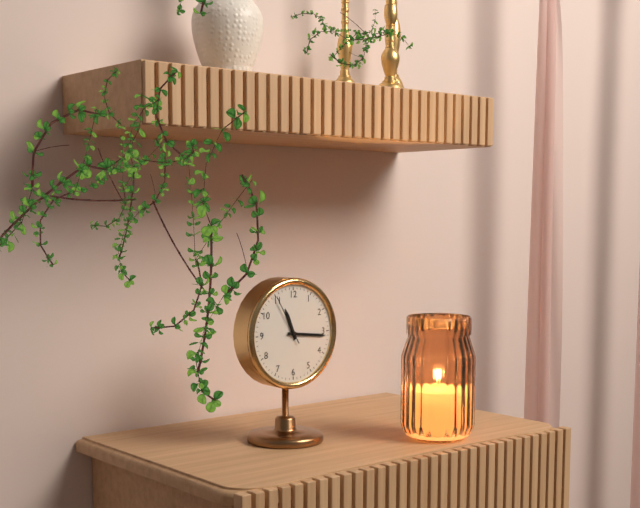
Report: {"hour": 11, "minute": 16, "second": 55}
